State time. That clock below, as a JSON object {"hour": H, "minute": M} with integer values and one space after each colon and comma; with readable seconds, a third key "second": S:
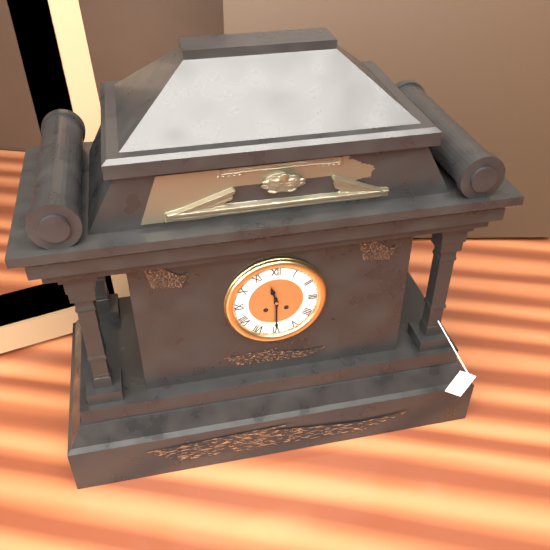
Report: {"hour": 11, "minute": 30}
